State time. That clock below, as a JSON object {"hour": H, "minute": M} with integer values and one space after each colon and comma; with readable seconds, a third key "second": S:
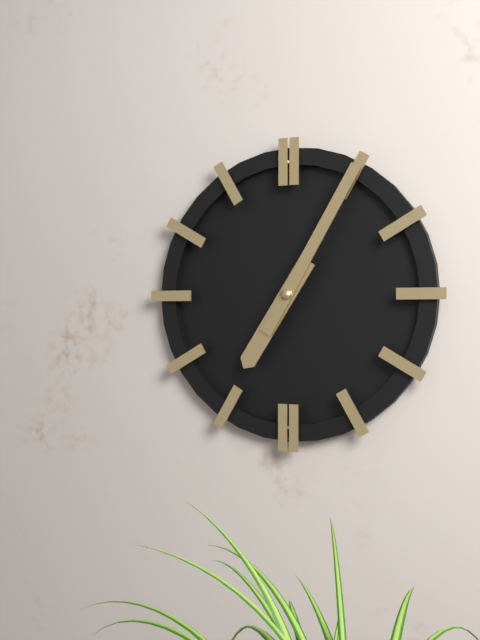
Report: {"hour": 7, "minute": 5}
